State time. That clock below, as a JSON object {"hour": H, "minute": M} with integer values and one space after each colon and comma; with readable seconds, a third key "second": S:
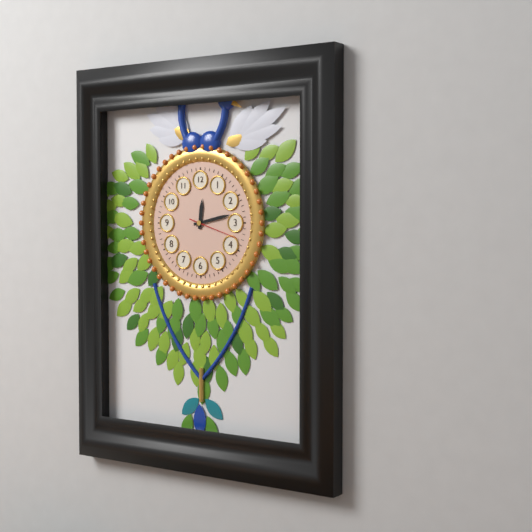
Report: {"hour": 12, "minute": 13}
